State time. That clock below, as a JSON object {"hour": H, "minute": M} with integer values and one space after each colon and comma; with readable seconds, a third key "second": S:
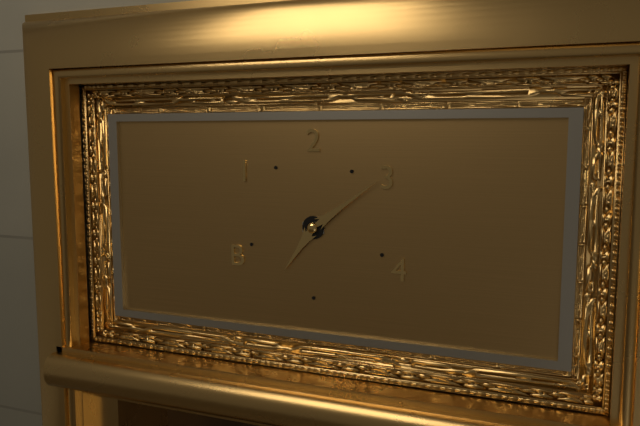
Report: {"hour": 7, "minute": 9}
